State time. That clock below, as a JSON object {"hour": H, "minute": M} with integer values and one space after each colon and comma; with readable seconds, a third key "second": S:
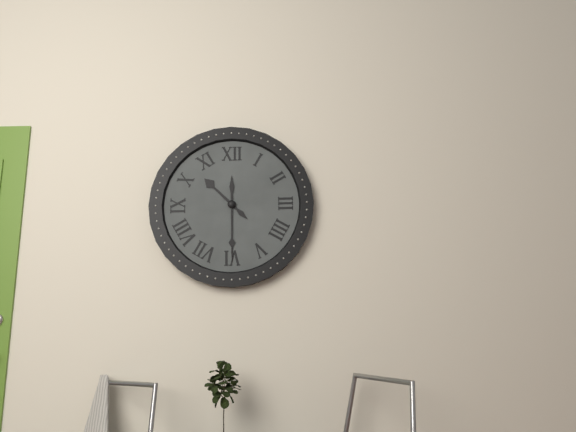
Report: {"hour": 10, "minute": 30}
